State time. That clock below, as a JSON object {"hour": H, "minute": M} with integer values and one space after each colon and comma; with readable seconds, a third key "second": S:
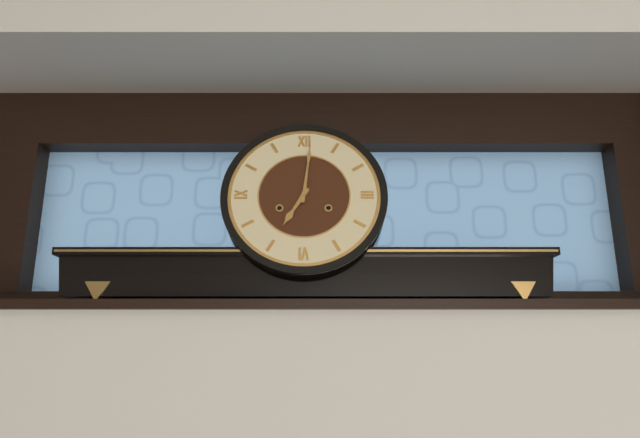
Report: {"hour": 7, "minute": 1}
